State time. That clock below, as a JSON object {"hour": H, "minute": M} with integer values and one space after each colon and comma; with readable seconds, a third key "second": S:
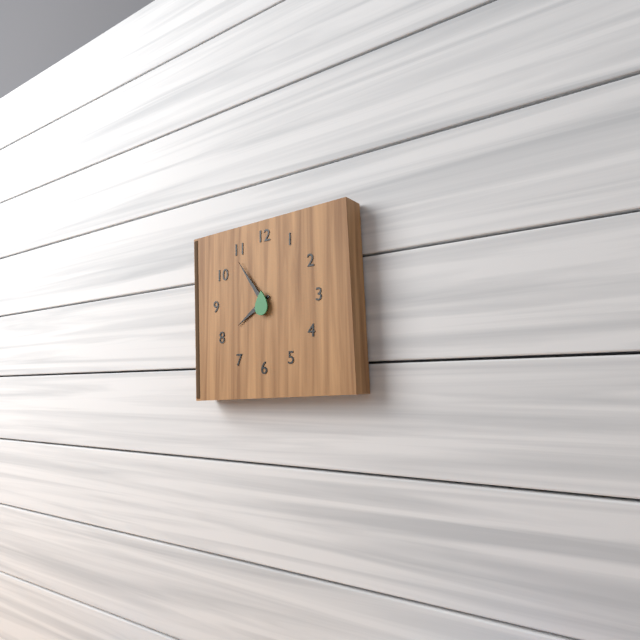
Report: {"hour": 7, "minute": 54}
